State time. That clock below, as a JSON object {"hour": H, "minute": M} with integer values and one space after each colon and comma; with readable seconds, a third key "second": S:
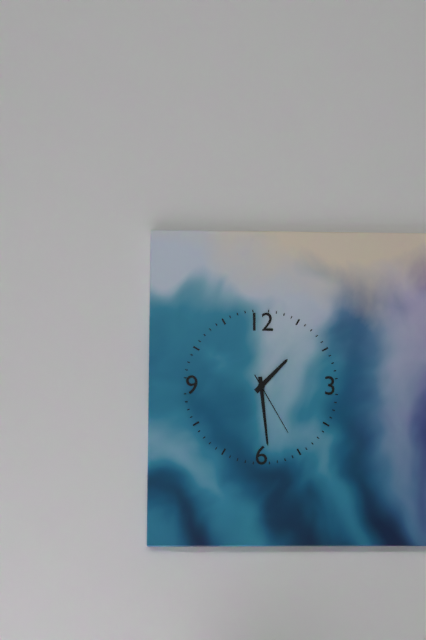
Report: {"hour": 1, "minute": 29, "second": 25}
